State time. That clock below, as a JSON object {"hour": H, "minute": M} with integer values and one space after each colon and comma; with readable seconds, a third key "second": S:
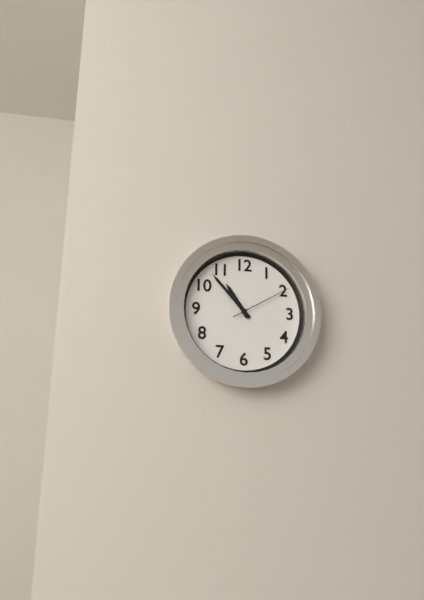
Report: {"hour": 10, "minute": 53, "second": 10}
